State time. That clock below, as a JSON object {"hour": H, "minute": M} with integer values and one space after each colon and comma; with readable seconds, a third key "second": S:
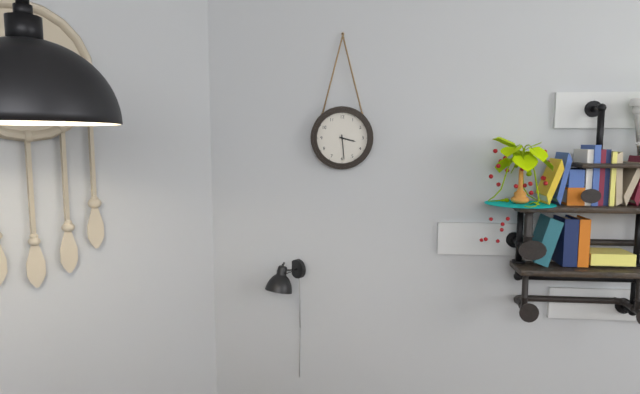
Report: {"hour": 3, "minute": 29}
